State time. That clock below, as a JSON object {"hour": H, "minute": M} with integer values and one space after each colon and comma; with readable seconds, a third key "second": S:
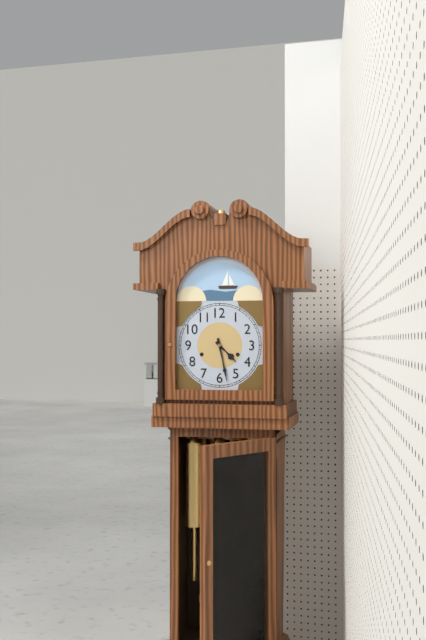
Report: {"hour": 4, "minute": 28}
